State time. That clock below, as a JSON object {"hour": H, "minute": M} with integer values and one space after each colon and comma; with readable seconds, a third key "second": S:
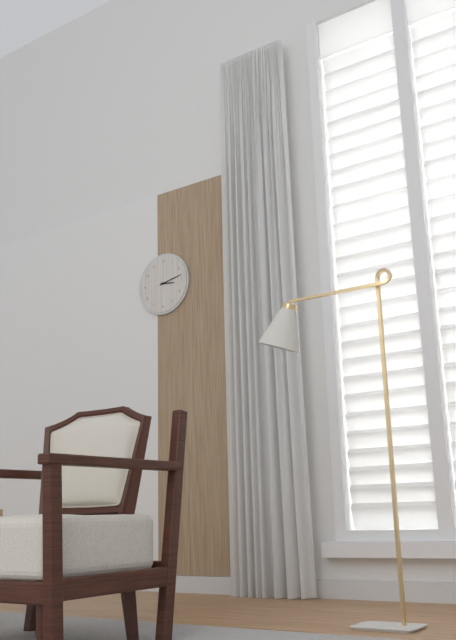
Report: {"hour": 3, "minute": 13}
